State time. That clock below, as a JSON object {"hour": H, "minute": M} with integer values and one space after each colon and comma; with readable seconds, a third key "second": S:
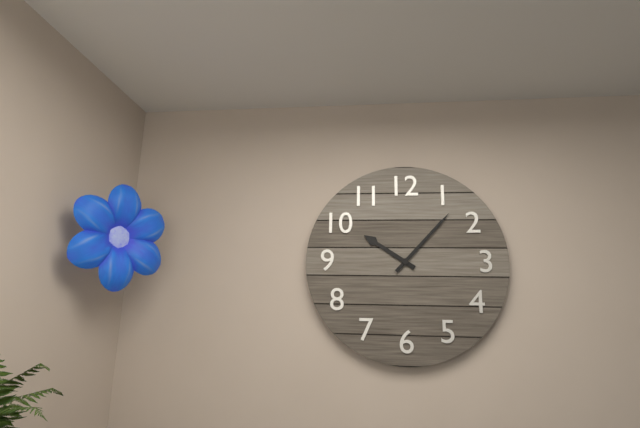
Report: {"hour": 10, "minute": 7}
